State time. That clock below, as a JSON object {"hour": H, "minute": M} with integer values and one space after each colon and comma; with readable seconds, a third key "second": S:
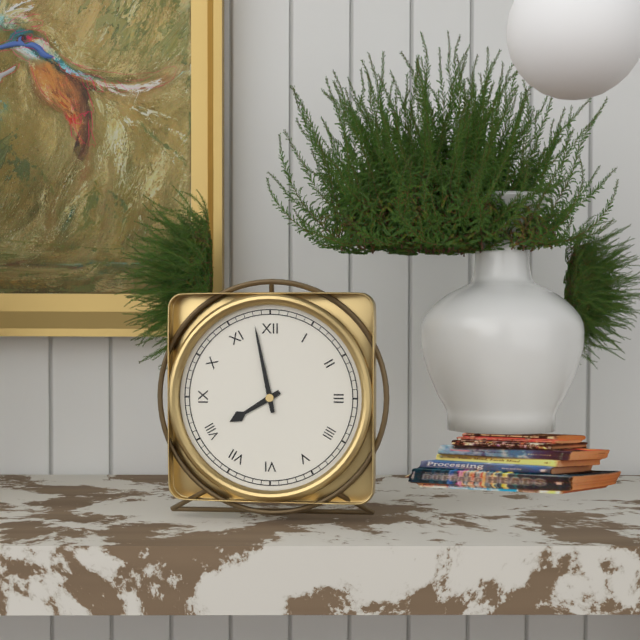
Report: {"hour": 7, "minute": 58}
